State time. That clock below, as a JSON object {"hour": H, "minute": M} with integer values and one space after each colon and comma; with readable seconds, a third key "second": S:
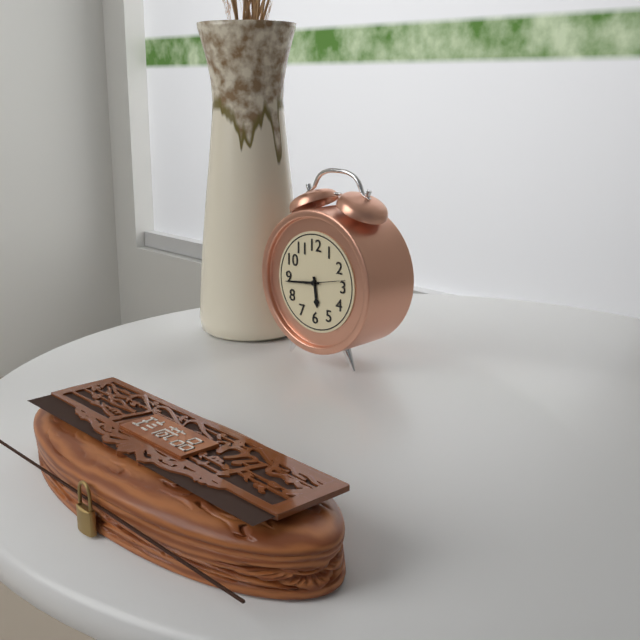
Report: {"hour": 5, "minute": 44}
